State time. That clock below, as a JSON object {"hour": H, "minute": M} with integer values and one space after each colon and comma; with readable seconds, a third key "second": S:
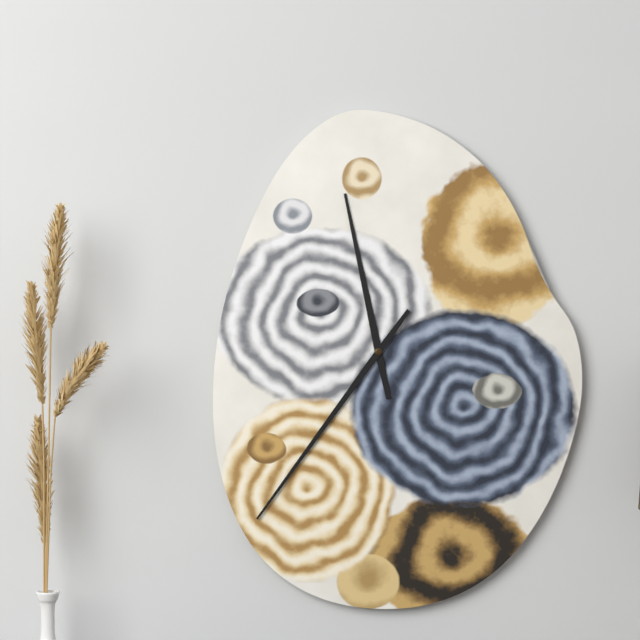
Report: {"hour": 11, "minute": 36}
